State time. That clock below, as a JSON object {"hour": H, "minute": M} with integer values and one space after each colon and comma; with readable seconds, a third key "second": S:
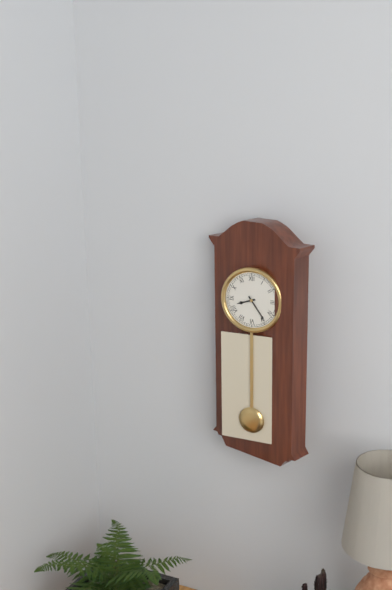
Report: {"hour": 8, "minute": 24}
